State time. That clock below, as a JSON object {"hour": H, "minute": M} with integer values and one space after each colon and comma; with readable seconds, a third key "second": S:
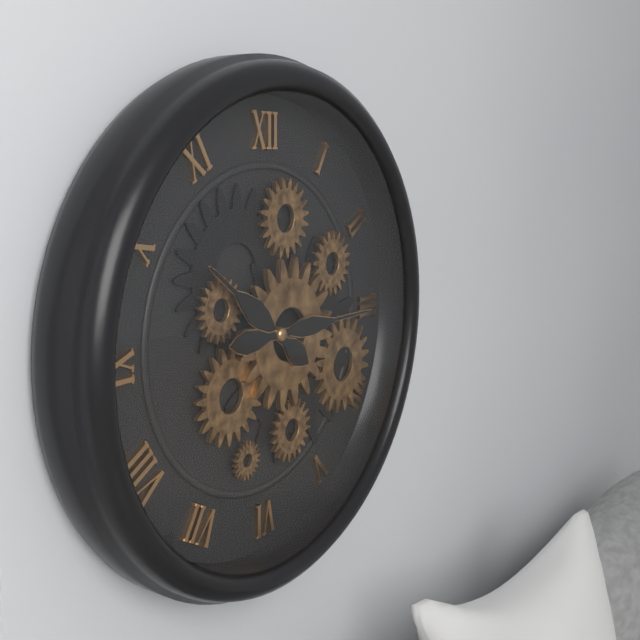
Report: {"hour": 10, "minute": 15}
